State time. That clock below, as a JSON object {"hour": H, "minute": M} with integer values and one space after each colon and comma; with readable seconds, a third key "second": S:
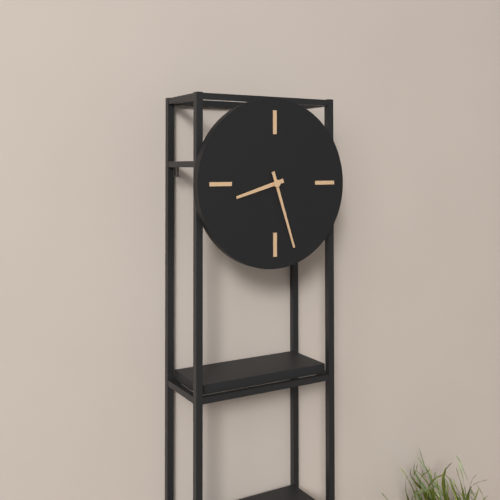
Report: {"hour": 8, "minute": 27}
